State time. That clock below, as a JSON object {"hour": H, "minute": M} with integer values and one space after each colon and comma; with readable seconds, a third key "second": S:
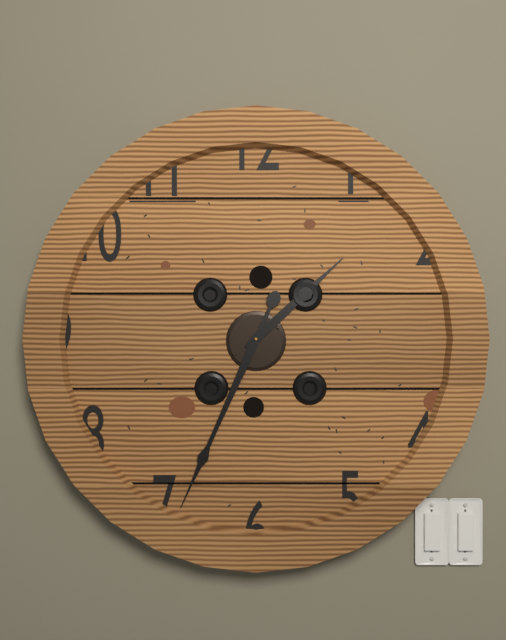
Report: {"hour": 1, "minute": 34}
